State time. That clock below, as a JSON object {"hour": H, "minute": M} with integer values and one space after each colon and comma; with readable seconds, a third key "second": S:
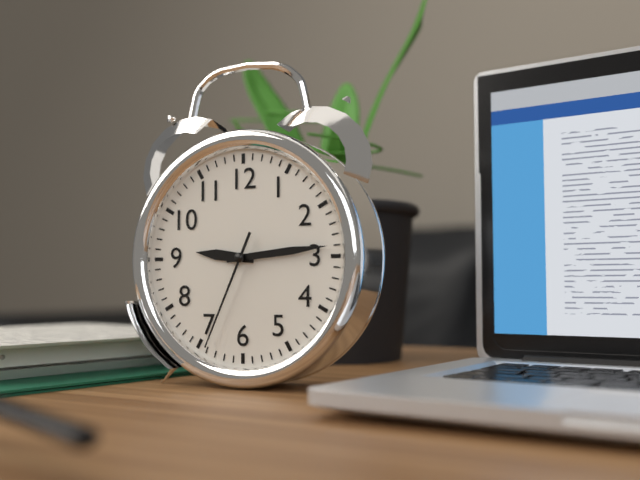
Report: {"hour": 9, "minute": 14, "second": 34}
